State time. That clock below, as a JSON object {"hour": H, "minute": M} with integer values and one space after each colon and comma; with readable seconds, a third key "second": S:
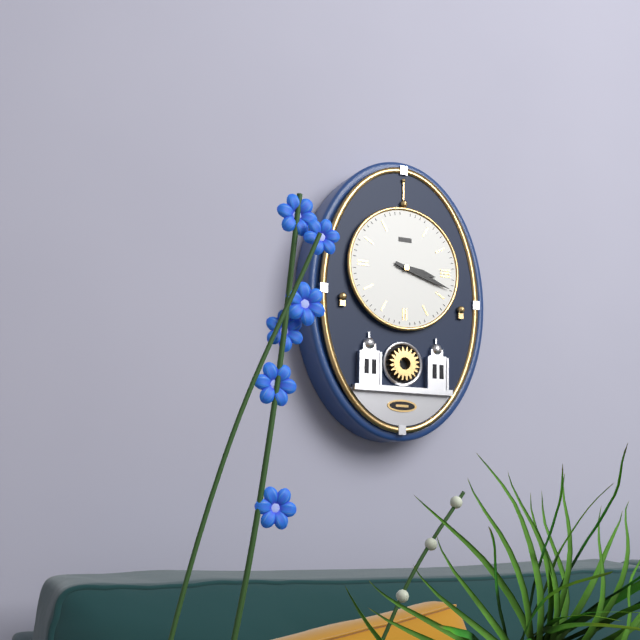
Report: {"hour": 3, "minute": 18}
